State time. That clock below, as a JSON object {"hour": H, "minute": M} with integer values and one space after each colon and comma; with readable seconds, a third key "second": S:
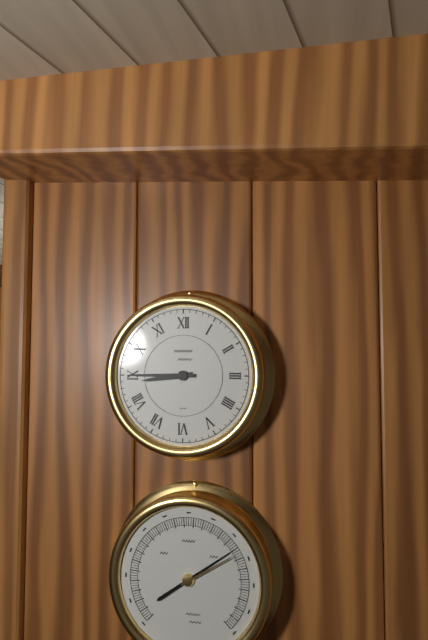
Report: {"hour": 8, "minute": 45}
